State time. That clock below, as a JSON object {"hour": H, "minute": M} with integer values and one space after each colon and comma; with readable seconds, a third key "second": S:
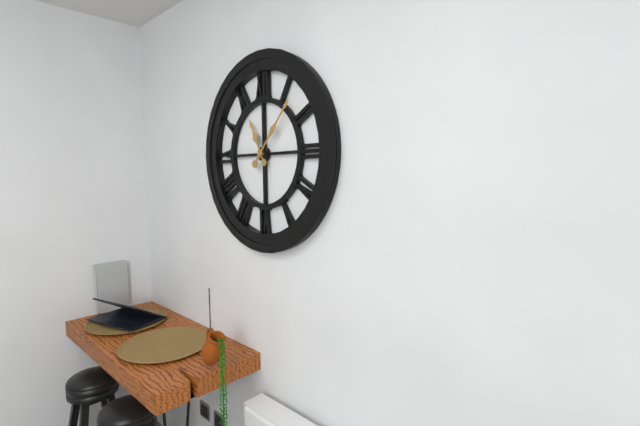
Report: {"hour": 11, "minute": 7}
